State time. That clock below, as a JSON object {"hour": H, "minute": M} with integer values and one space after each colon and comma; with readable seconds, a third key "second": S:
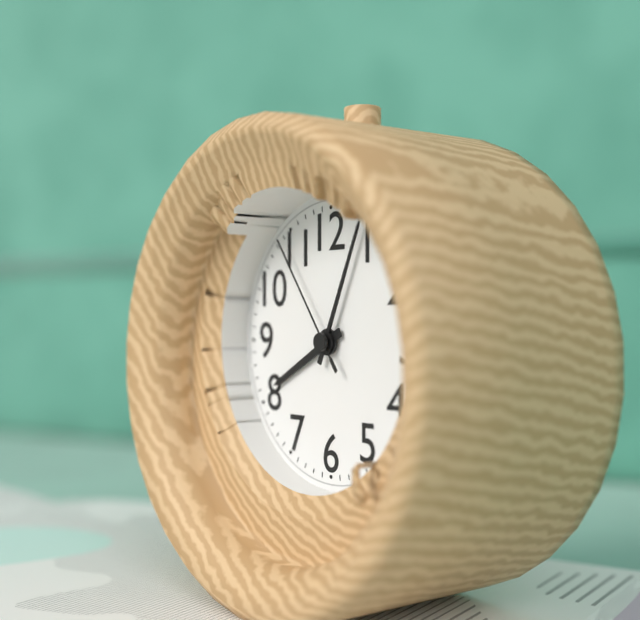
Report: {"hour": 8, "minute": 4, "second": 54}
